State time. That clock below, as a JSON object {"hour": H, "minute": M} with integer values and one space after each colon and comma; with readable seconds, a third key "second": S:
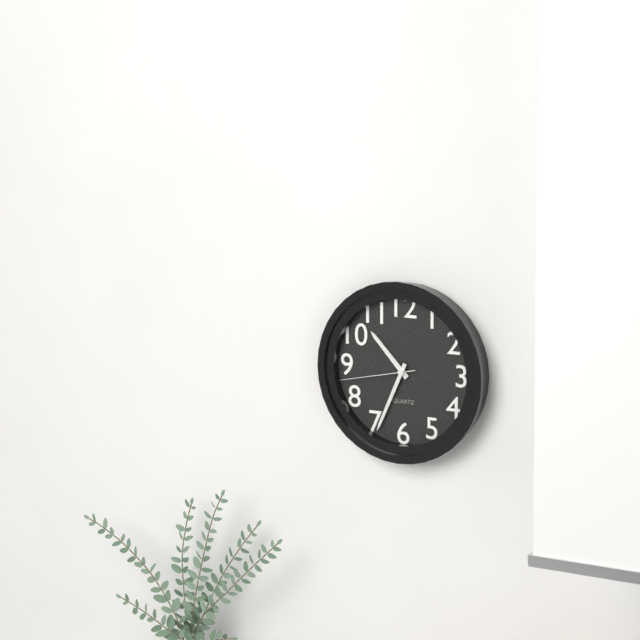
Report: {"hour": 10, "minute": 34, "second": 43}
